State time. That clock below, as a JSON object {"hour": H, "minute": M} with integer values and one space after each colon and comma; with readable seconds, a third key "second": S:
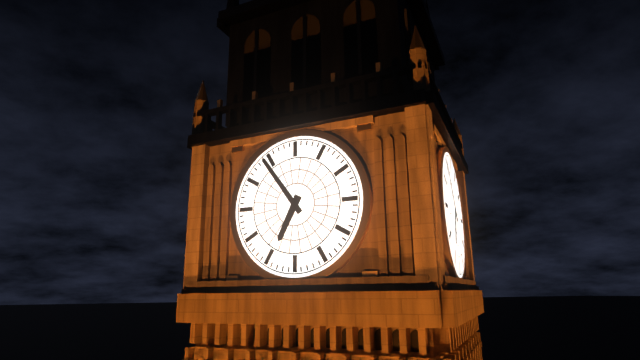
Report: {"hour": 6, "minute": 54}
